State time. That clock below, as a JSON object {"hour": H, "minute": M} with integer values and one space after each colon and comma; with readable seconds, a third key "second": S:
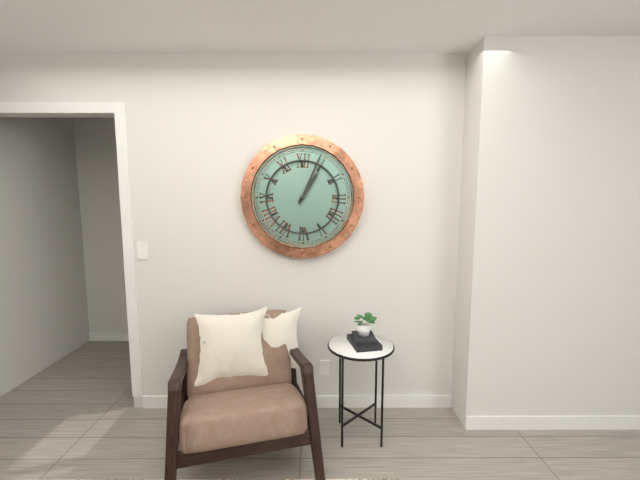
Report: {"hour": 1, "minute": 4}
